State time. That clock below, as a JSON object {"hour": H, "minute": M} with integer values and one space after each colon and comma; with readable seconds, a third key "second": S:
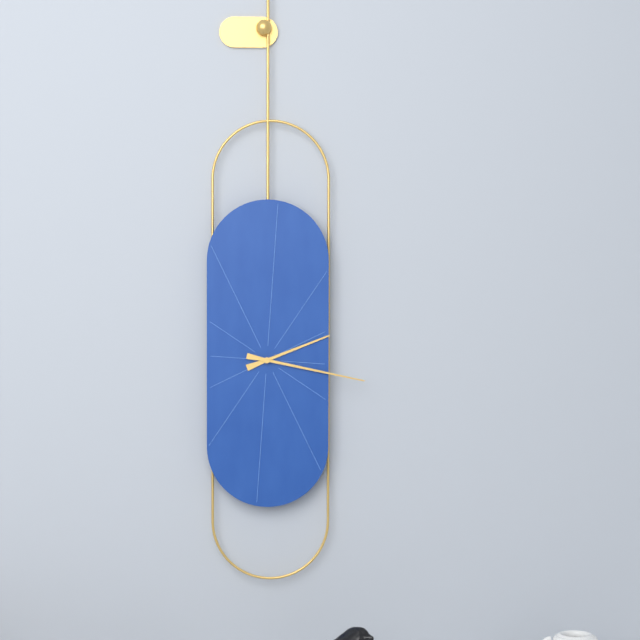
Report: {"hour": 2, "minute": 17}
